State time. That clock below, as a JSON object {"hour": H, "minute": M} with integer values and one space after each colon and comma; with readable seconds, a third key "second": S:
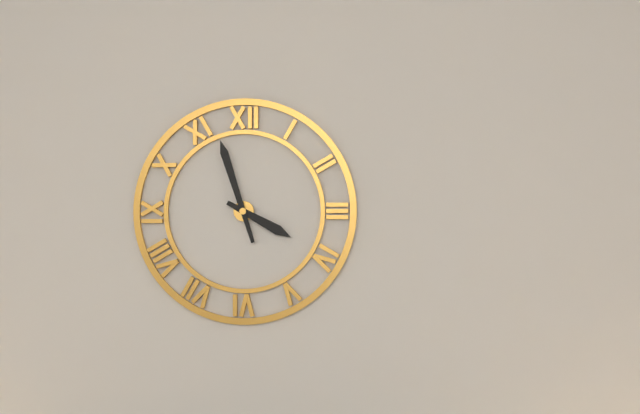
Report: {"hour": 3, "minute": 57}
